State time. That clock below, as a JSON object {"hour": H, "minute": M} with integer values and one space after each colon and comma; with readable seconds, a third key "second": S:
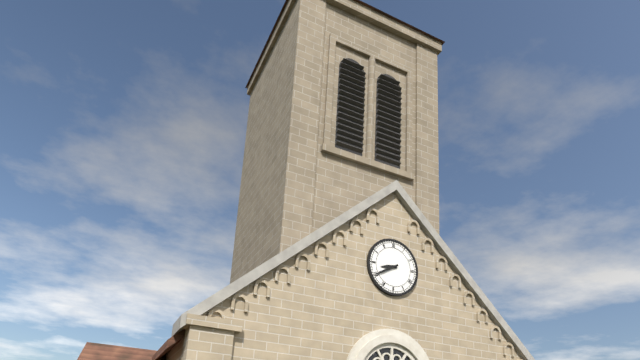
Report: {"hour": 8, "minute": 40}
